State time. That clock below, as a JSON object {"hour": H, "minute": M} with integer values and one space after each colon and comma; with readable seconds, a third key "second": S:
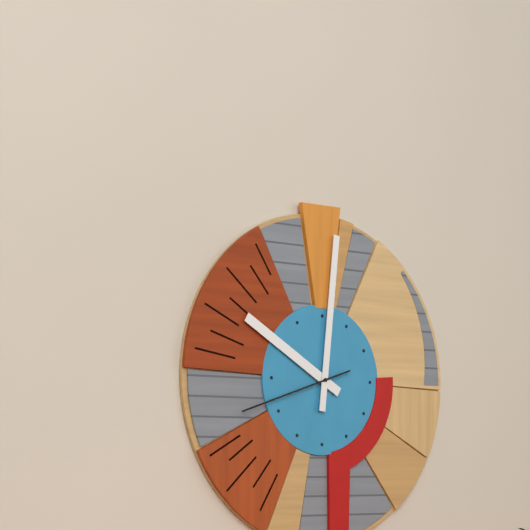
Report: {"hour": 10, "minute": 1, "second": 42}
